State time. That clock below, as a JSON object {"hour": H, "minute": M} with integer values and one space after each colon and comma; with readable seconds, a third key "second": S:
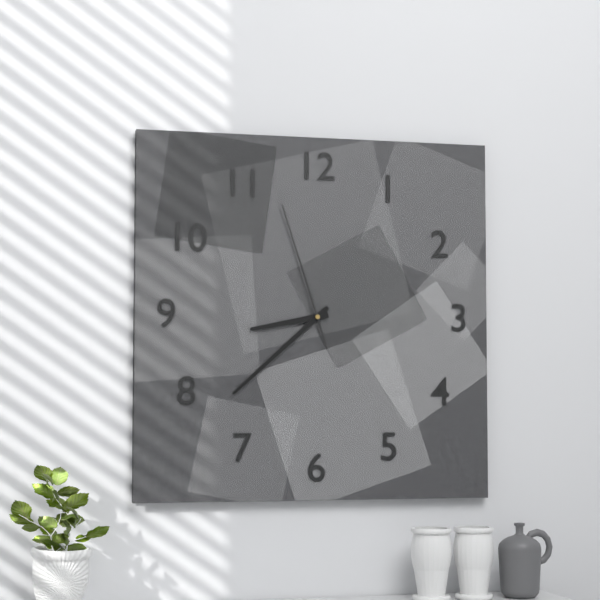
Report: {"hour": 8, "minute": 38, "second": 57}
